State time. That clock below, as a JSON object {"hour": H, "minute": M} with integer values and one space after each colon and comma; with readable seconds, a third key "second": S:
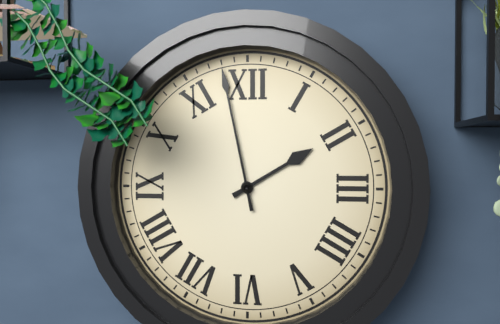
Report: {"hour": 1, "minute": 58}
